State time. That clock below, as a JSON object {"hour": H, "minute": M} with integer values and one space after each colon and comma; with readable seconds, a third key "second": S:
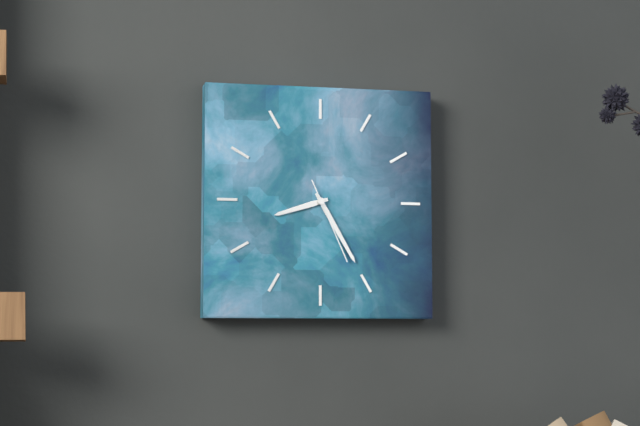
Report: {"hour": 8, "minute": 25, "second": 26}
